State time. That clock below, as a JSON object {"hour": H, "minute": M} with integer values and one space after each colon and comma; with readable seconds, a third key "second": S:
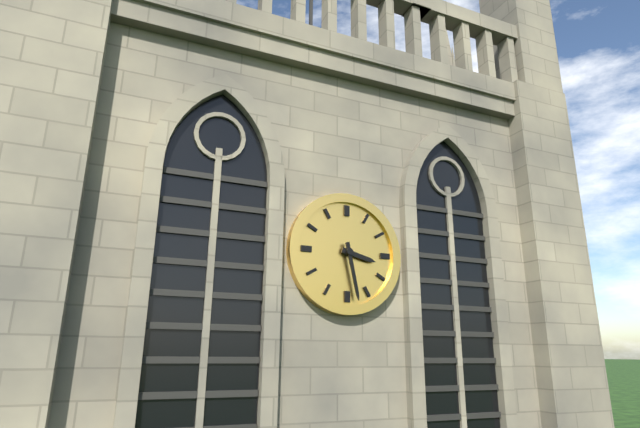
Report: {"hour": 3, "minute": 28}
